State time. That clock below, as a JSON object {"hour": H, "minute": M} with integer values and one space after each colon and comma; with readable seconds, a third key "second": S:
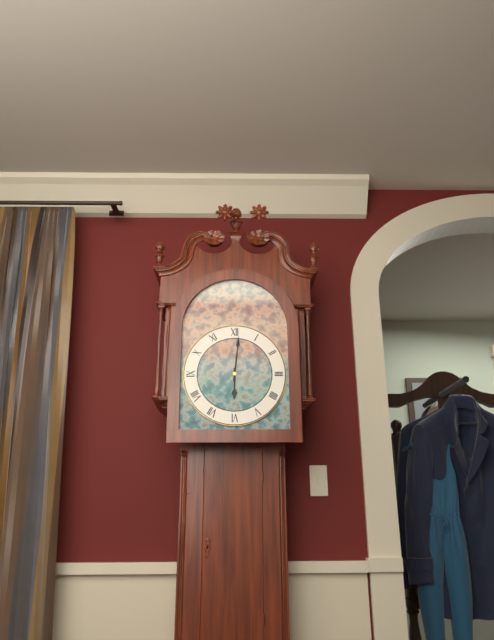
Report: {"hour": 6, "minute": 1}
